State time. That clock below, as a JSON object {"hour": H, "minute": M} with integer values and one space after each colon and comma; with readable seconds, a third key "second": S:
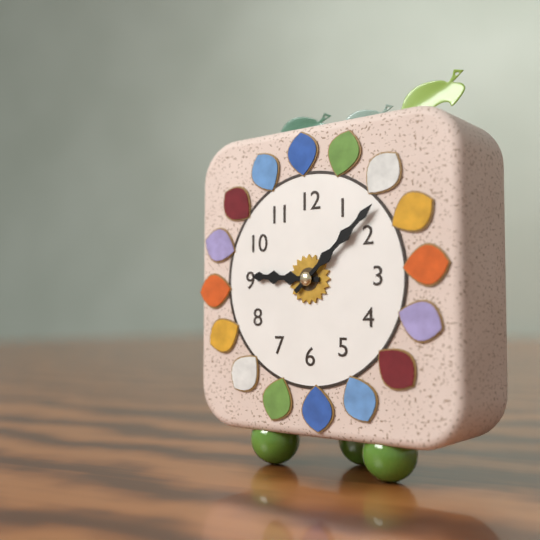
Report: {"hour": 9, "minute": 8}
